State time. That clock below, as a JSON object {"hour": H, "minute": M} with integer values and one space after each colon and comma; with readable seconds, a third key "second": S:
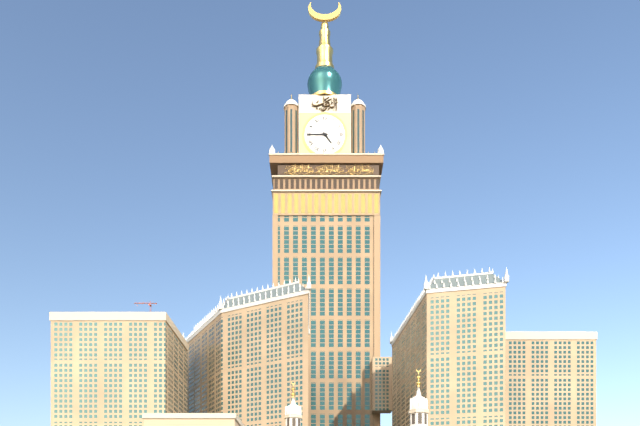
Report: {"hour": 4, "minute": 45}
